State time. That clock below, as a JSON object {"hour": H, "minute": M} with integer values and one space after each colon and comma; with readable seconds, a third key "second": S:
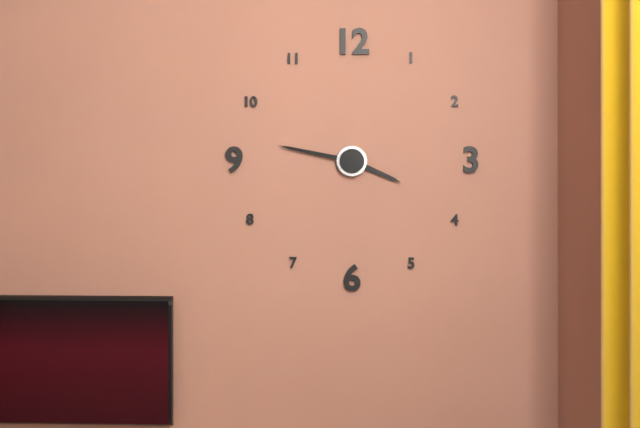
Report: {"hour": 3, "minute": 47}
